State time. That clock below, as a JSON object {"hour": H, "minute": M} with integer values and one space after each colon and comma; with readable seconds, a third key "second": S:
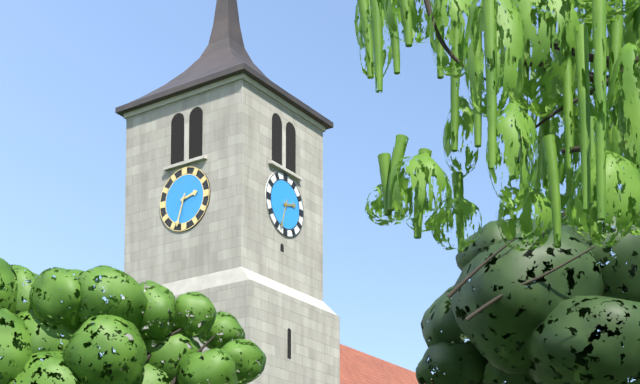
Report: {"hour": 2, "minute": 33}
